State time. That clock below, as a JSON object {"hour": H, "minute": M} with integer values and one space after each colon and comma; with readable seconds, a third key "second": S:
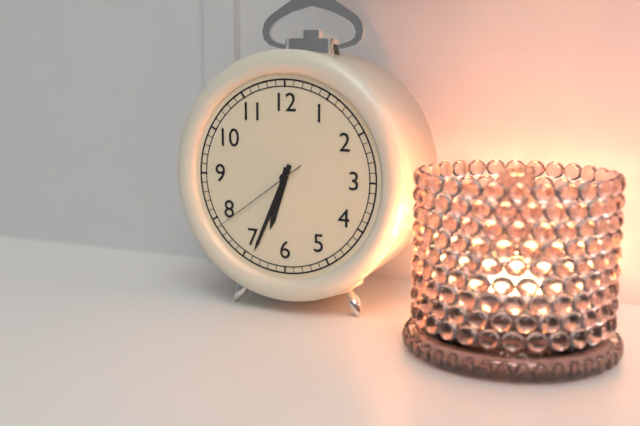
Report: {"hour": 6, "minute": 34, "second": 39}
